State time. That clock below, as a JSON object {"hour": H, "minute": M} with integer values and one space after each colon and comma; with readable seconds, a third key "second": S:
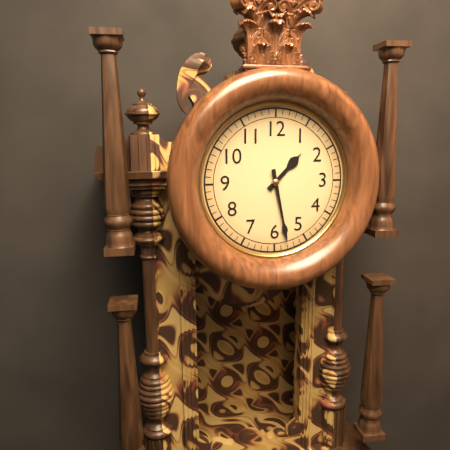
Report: {"hour": 1, "minute": 28}
